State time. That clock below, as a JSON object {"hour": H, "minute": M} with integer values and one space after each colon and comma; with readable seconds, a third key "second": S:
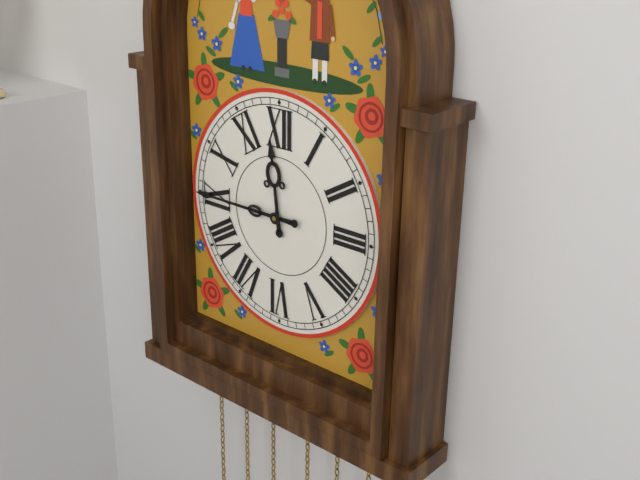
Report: {"hour": 11, "minute": 45}
